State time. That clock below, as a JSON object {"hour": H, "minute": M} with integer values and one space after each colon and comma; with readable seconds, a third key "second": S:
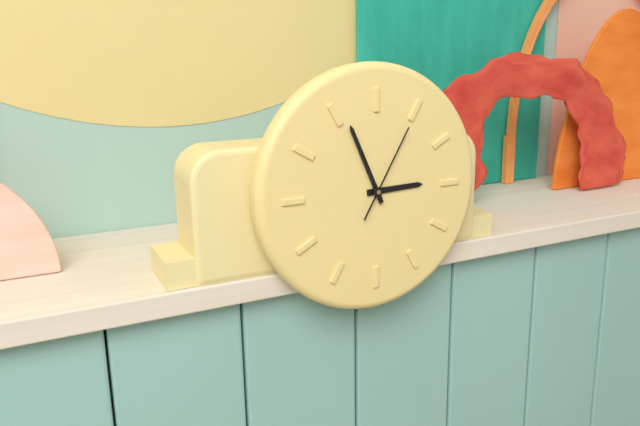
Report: {"hour": 2, "minute": 56, "second": 5}
